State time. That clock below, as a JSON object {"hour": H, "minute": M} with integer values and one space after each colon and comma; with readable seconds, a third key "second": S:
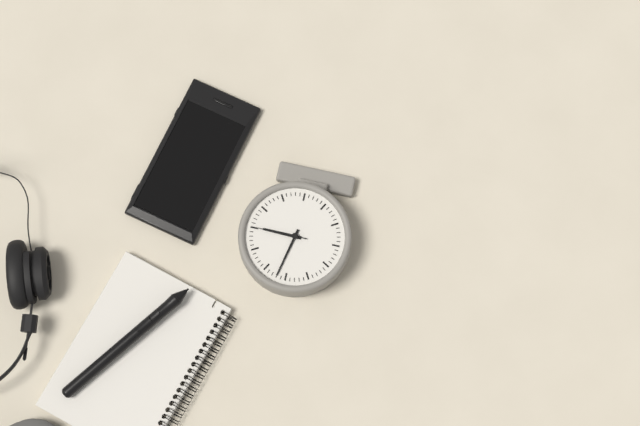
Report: {"hour": 3, "minute": 2, "second": 15}
